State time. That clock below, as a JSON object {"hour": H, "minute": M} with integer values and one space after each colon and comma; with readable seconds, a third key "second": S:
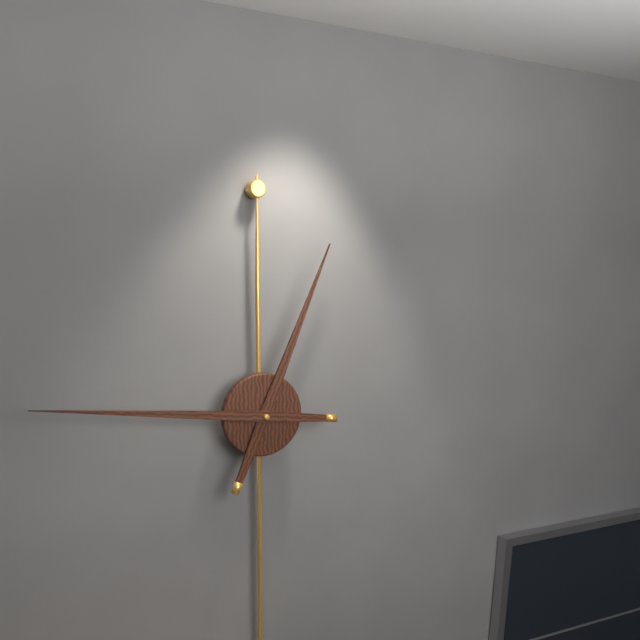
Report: {"hour": 12, "minute": 46}
